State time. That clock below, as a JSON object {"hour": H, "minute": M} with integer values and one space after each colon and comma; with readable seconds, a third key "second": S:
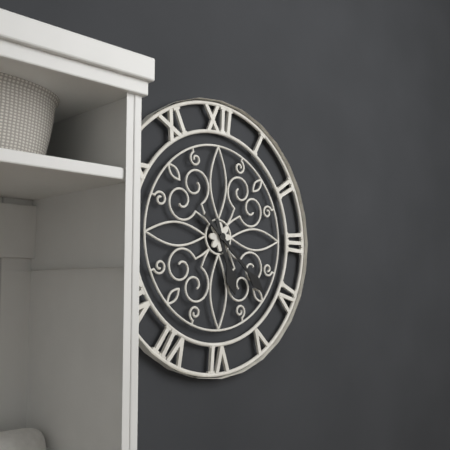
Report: {"hour": 5, "minute": 22}
